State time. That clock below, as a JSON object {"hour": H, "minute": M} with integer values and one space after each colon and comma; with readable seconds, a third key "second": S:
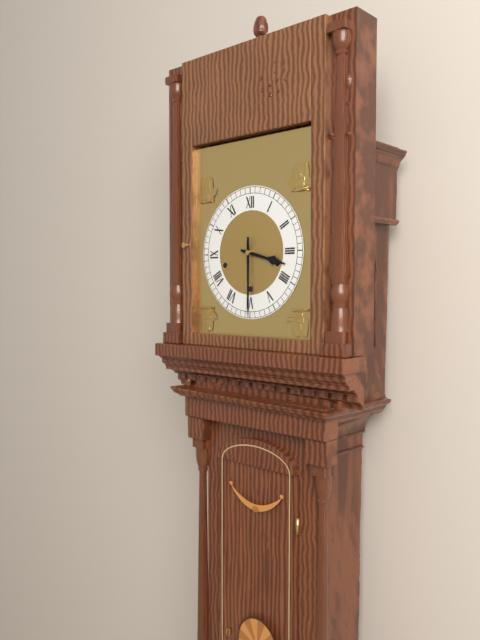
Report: {"hour": 3, "minute": 30}
